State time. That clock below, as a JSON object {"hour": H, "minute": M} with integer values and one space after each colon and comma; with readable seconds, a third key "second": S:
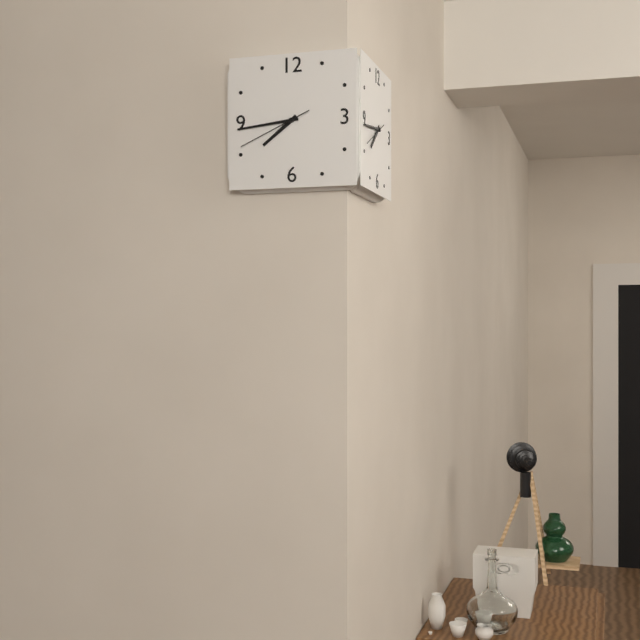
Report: {"hour": 7, "minute": 44, "second": 41}
